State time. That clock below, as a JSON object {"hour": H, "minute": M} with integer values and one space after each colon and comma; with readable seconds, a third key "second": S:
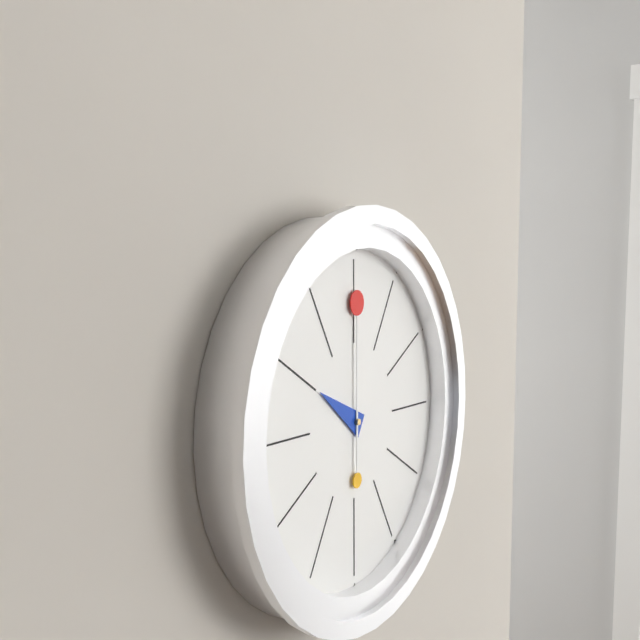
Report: {"hour": 10, "minute": 0}
